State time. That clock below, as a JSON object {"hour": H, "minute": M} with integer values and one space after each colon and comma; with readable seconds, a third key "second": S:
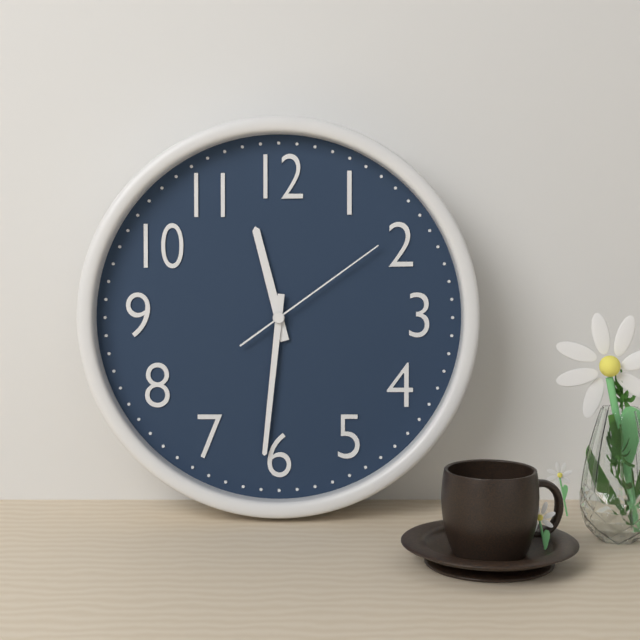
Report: {"hour": 11, "minute": 31, "second": 9}
